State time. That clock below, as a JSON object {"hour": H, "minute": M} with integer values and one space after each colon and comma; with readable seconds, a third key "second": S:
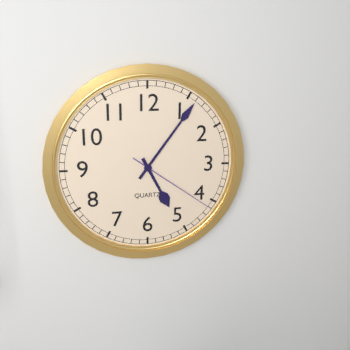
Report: {"hour": 5, "minute": 6, "second": 21}
